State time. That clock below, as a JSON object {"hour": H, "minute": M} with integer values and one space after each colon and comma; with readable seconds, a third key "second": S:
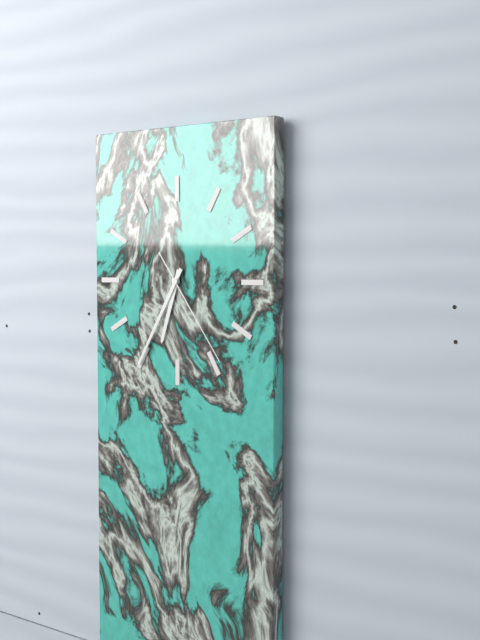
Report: {"hour": 6, "minute": 35, "second": 24}
